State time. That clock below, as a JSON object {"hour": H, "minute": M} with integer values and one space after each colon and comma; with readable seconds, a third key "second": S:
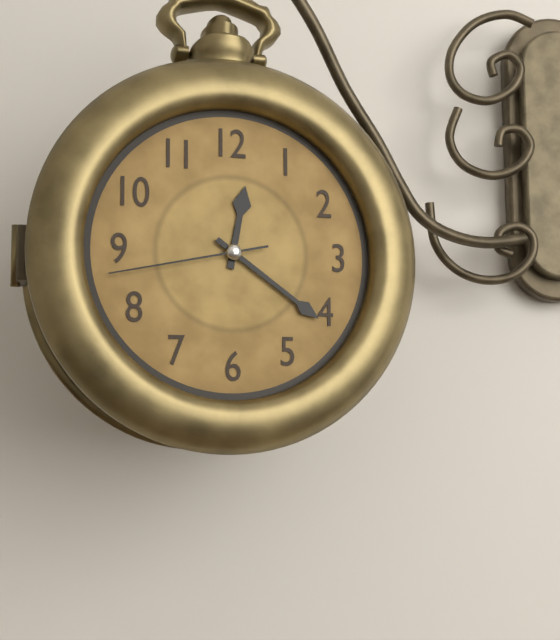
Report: {"hour": 12, "minute": 21, "second": 43}
